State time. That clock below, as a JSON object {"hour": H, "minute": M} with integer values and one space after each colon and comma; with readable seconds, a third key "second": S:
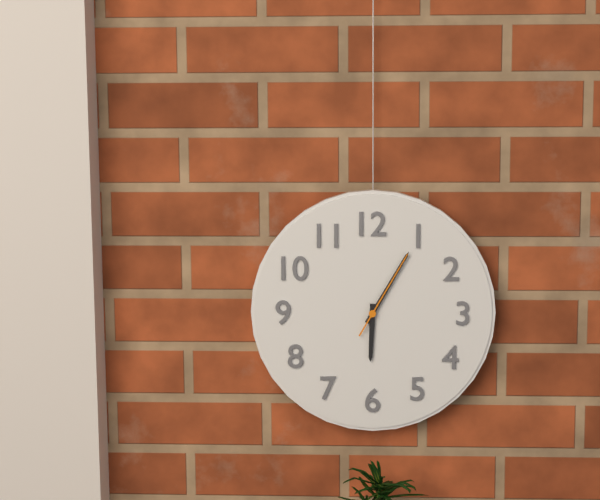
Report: {"hour": 6, "minute": 5, "second": 5}
